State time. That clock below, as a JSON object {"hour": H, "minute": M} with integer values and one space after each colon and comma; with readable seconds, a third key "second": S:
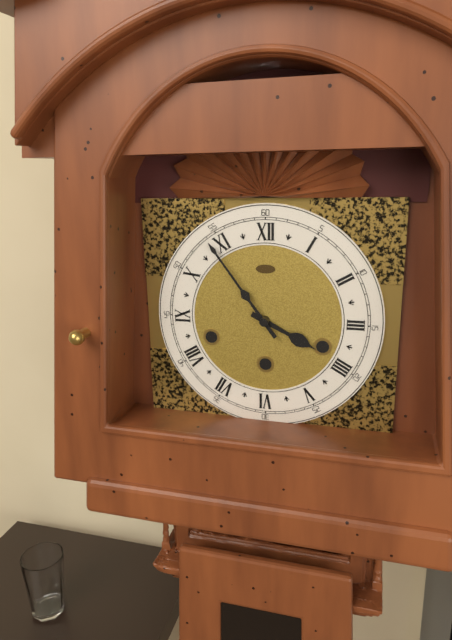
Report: {"hour": 3, "minute": 54}
